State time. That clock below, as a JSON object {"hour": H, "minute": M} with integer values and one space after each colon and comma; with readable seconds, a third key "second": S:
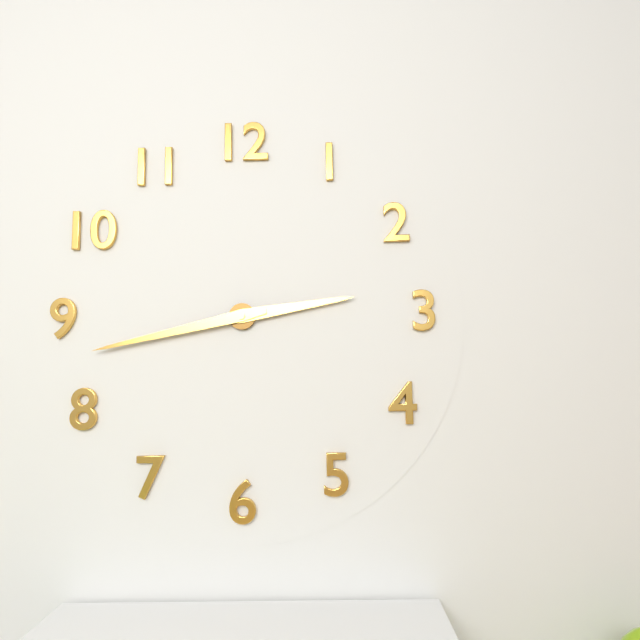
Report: {"hour": 2, "minute": 43}
